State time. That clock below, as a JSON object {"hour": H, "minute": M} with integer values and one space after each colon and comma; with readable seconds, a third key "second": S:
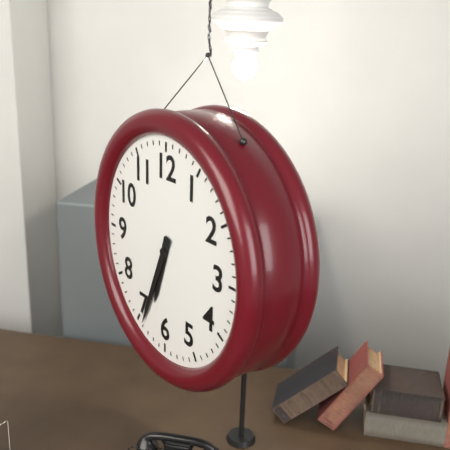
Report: {"hour": 6, "minute": 34}
